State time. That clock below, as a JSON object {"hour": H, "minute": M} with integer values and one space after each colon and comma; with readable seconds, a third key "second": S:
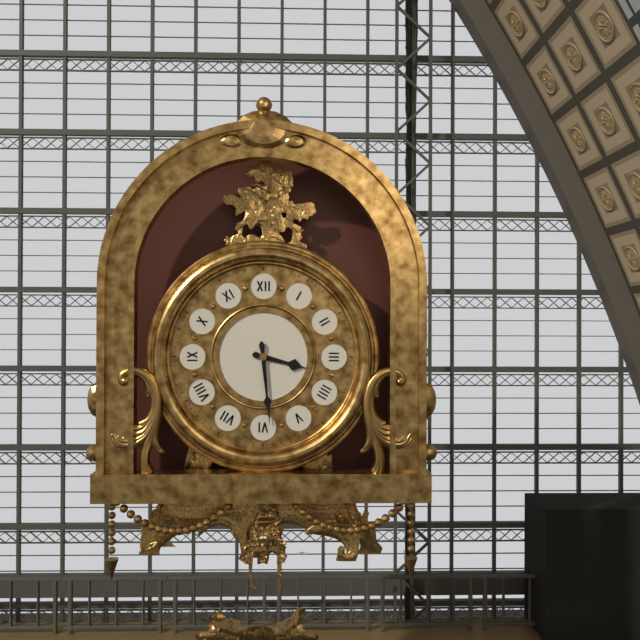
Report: {"hour": 3, "minute": 29}
